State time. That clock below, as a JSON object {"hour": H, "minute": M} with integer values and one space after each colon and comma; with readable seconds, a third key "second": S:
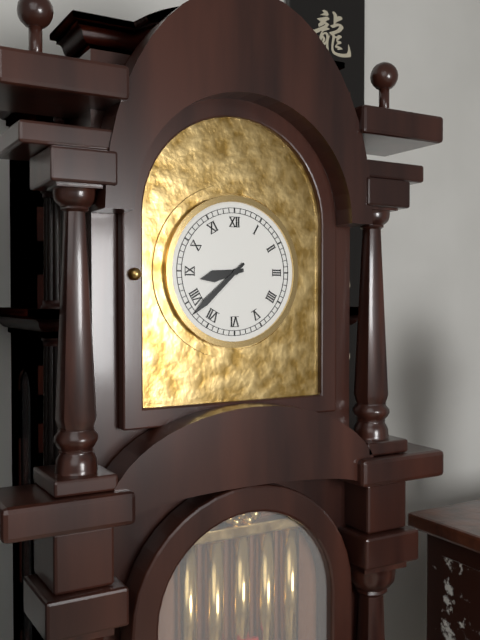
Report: {"hour": 8, "minute": 38}
